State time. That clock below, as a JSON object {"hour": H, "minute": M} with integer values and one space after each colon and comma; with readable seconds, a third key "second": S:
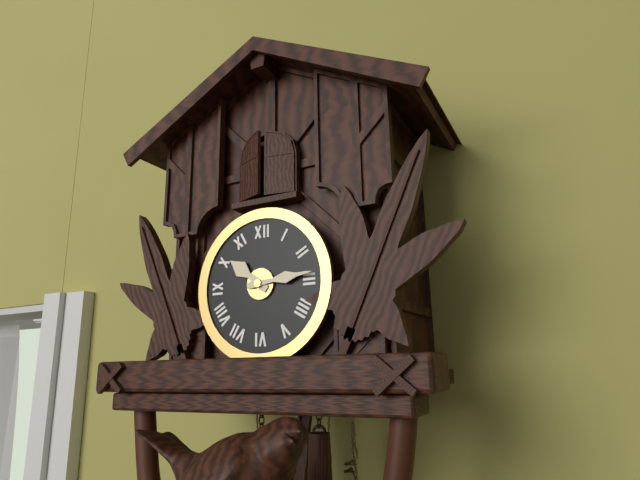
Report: {"hour": 10, "minute": 14}
